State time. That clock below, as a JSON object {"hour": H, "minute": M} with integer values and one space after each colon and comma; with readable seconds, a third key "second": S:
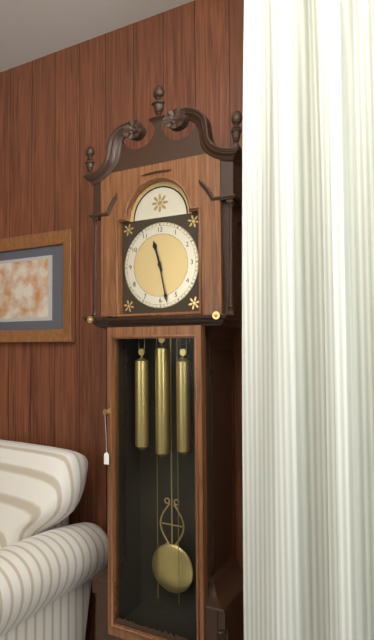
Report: {"hour": 11, "minute": 28}
